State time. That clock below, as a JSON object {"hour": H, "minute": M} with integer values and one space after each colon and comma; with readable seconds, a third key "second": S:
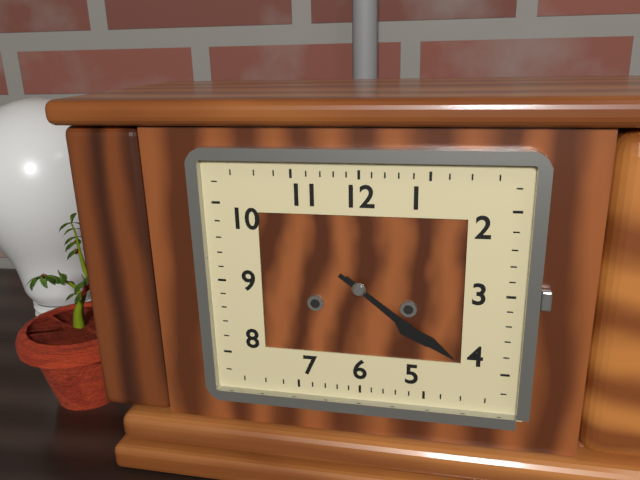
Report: {"hour": 4, "minute": 21}
